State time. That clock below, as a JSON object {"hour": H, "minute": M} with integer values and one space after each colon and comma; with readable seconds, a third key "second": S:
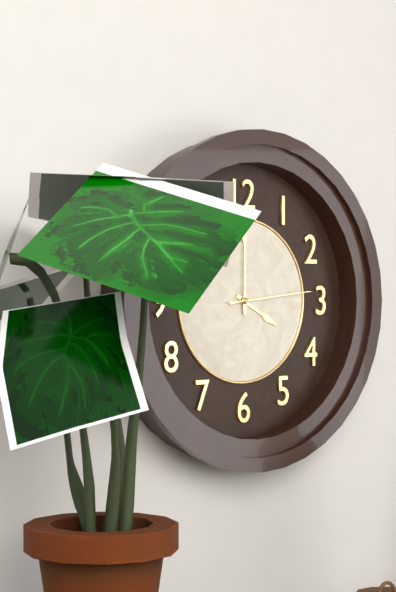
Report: {"hour": 4, "minute": 0, "second": 14}
